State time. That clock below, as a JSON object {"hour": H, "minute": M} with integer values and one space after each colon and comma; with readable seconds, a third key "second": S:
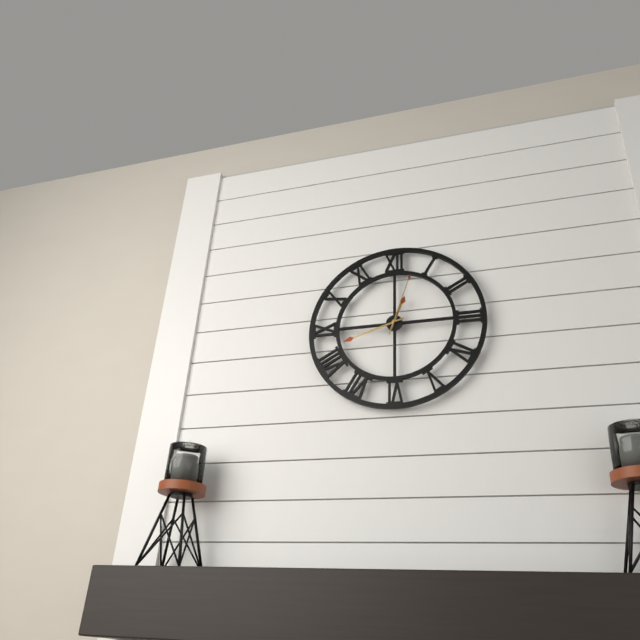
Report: {"hour": 12, "minute": 42, "second": 3}
